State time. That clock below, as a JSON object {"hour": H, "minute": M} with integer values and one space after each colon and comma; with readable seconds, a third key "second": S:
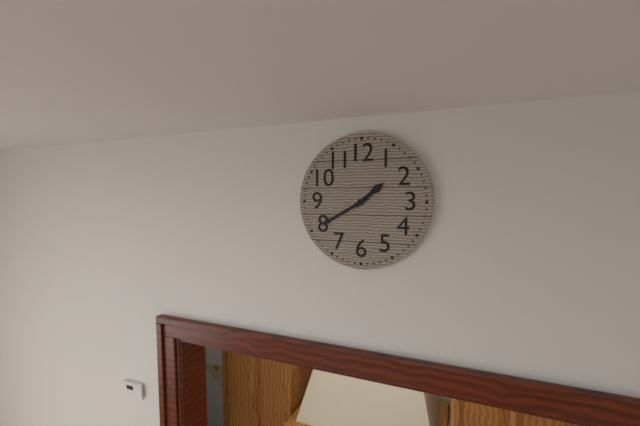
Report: {"hour": 1, "minute": 40}
